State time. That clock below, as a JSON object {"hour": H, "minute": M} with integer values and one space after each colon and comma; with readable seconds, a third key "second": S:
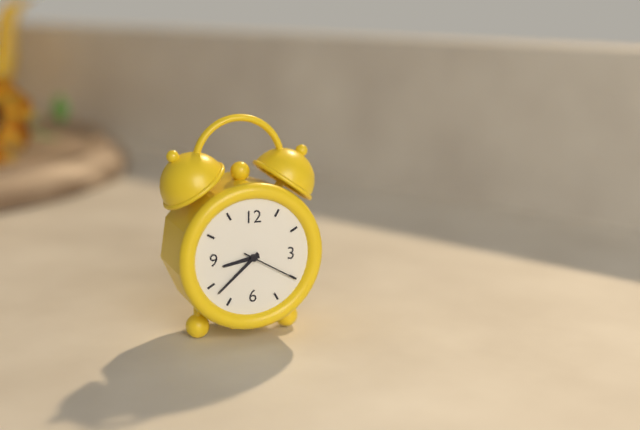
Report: {"hour": 8, "minute": 38, "second": 20}
